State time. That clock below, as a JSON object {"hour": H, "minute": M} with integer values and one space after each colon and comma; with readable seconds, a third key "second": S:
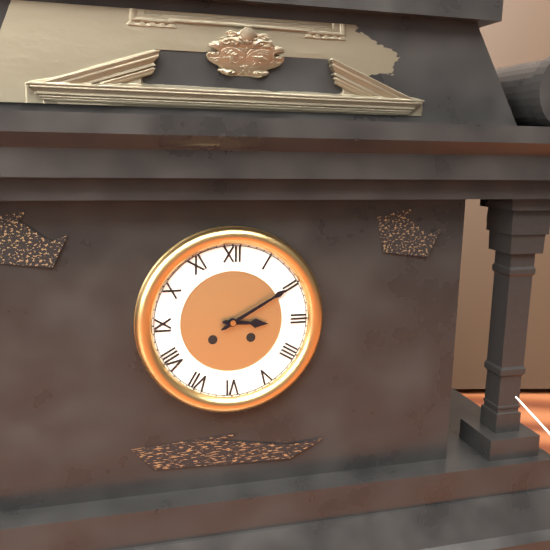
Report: {"hour": 3, "minute": 10}
